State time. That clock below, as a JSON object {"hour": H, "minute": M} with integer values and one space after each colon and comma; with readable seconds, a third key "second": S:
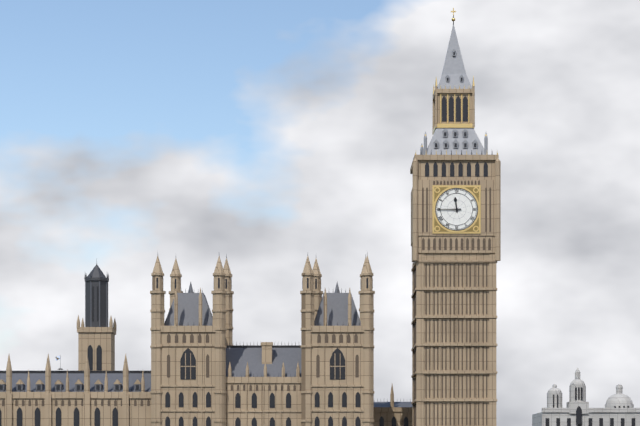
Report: {"hour": 11, "minute": 45}
